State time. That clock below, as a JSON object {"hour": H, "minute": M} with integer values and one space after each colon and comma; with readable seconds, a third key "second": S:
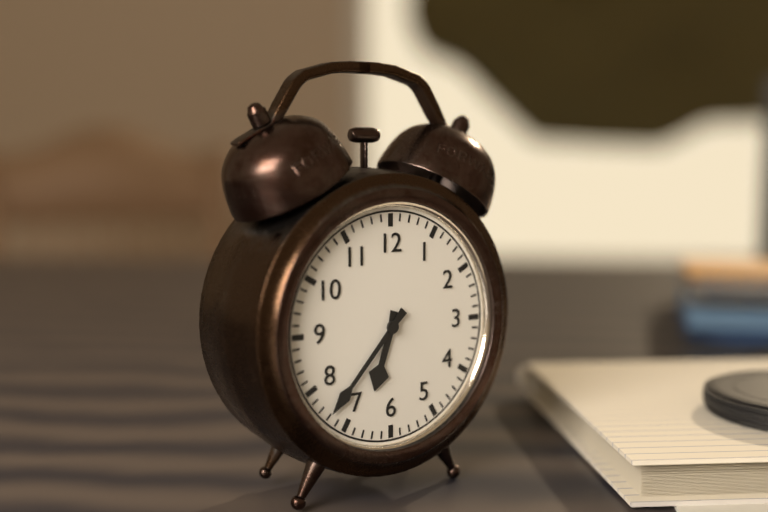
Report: {"hour": 6, "minute": 37}
